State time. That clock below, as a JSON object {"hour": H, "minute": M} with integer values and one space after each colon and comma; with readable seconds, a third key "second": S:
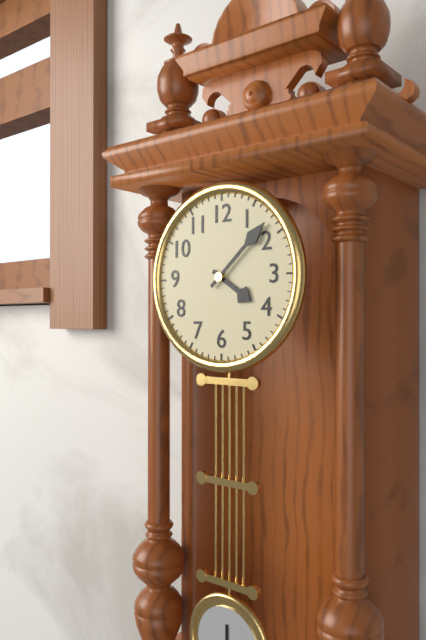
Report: {"hour": 4, "minute": 8}
